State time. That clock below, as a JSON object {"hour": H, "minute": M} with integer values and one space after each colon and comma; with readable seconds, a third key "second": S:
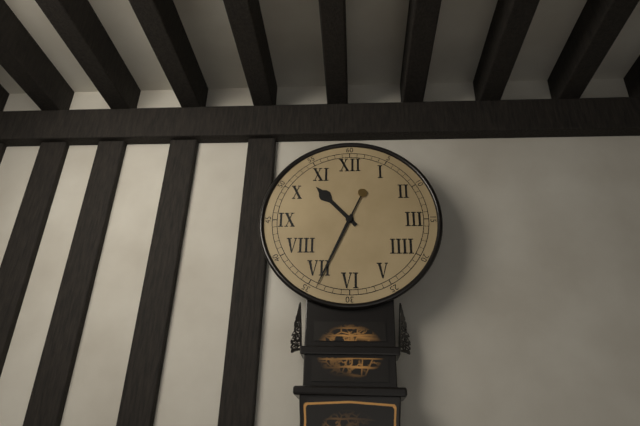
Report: {"hour": 10, "minute": 34}
